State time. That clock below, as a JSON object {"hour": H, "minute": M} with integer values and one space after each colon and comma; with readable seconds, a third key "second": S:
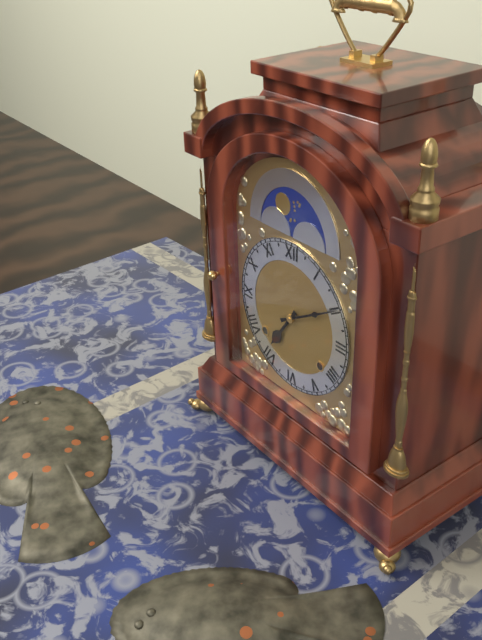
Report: {"hour": 7, "minute": 10}
